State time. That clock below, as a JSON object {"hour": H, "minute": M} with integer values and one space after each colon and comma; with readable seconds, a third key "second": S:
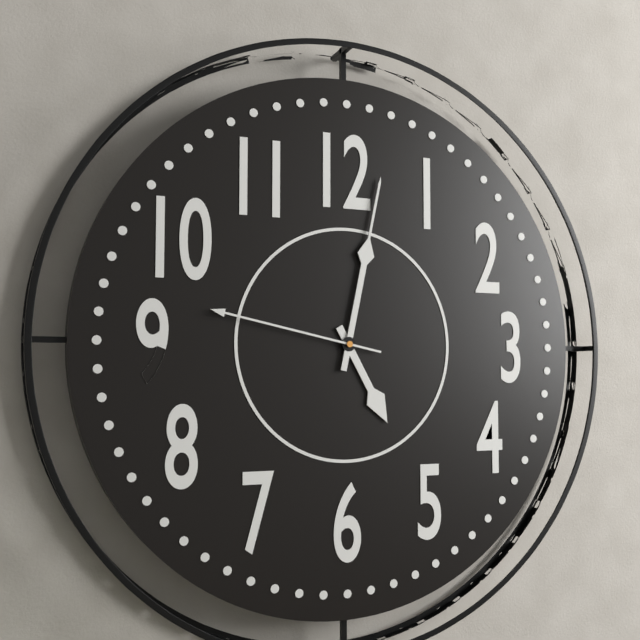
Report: {"hour": 5, "minute": 2, "second": 47}
